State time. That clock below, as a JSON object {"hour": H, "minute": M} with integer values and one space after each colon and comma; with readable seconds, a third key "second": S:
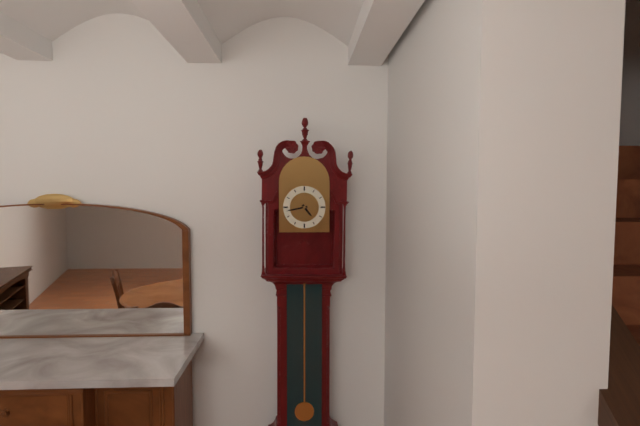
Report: {"hour": 4, "minute": 43}
